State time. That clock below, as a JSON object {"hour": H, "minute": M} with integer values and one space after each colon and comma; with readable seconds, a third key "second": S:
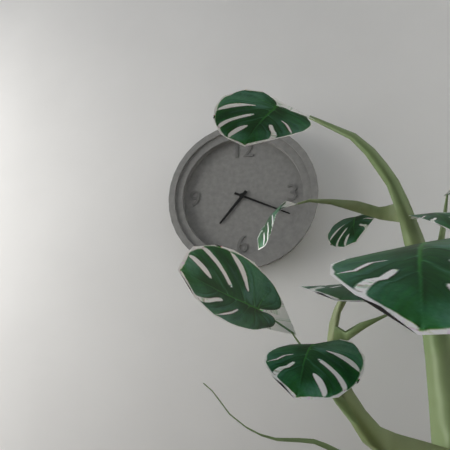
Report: {"hour": 7, "minute": 19}
